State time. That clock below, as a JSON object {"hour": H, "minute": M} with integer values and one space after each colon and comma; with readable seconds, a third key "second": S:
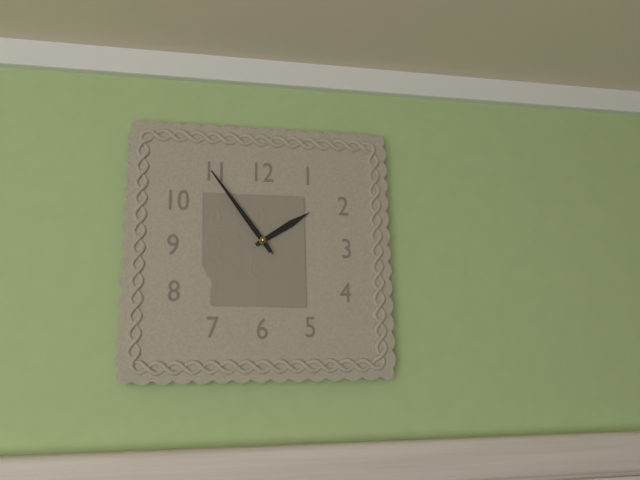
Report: {"hour": 1, "minute": 54, "second": 54}
